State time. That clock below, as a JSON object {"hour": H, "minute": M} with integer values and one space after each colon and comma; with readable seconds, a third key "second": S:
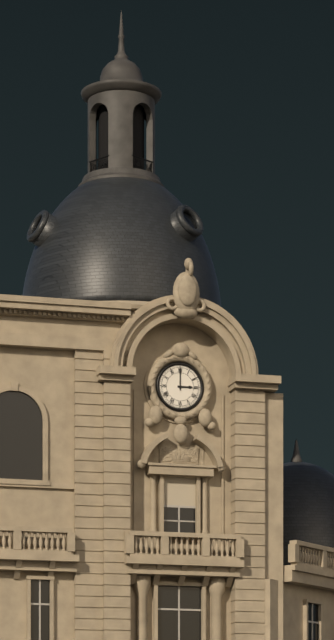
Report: {"hour": 3, "minute": 0}
